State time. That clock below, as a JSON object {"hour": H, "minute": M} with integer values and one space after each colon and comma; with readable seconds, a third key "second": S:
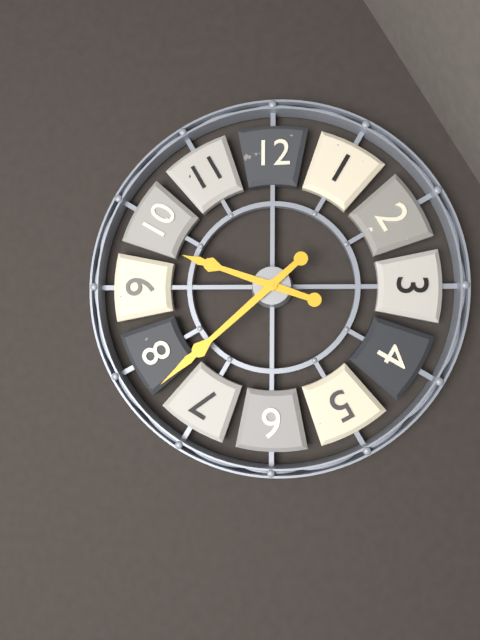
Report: {"hour": 9, "minute": 38}
